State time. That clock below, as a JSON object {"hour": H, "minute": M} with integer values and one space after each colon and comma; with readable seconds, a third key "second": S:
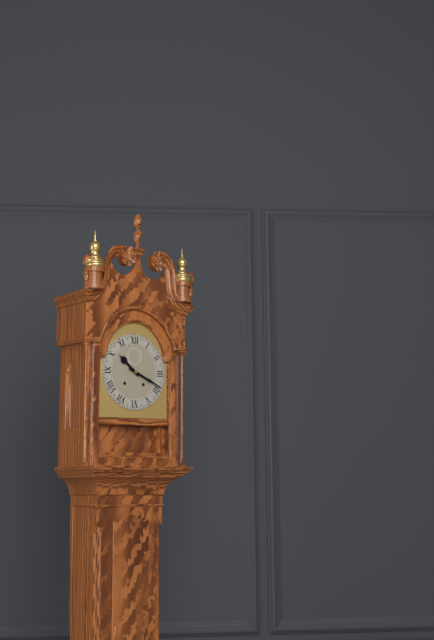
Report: {"hour": 10, "minute": 19}
